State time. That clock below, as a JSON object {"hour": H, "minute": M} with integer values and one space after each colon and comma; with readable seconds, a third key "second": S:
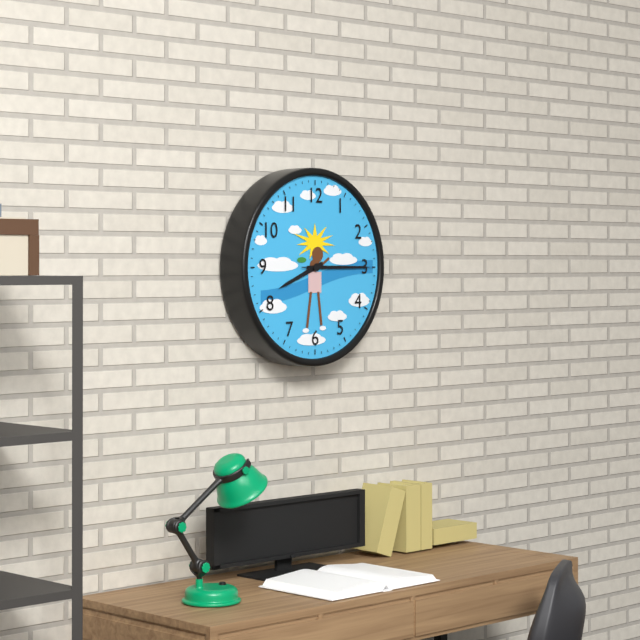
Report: {"hour": 8, "minute": 15, "second": 15}
